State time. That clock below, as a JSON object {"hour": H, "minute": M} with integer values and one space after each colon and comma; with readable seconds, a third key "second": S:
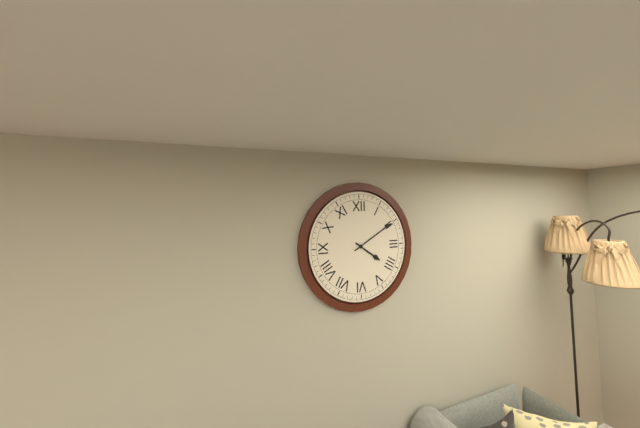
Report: {"hour": 4, "minute": 10}
